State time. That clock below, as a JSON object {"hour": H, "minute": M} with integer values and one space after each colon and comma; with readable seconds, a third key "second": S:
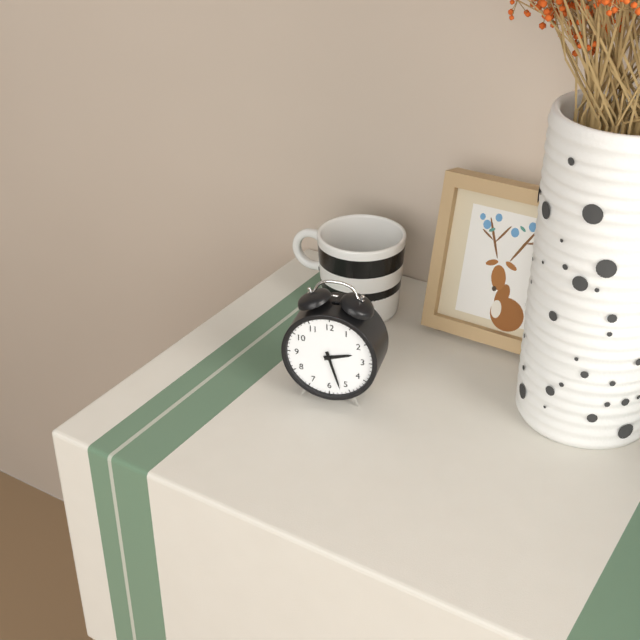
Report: {"hour": 2, "minute": 27}
